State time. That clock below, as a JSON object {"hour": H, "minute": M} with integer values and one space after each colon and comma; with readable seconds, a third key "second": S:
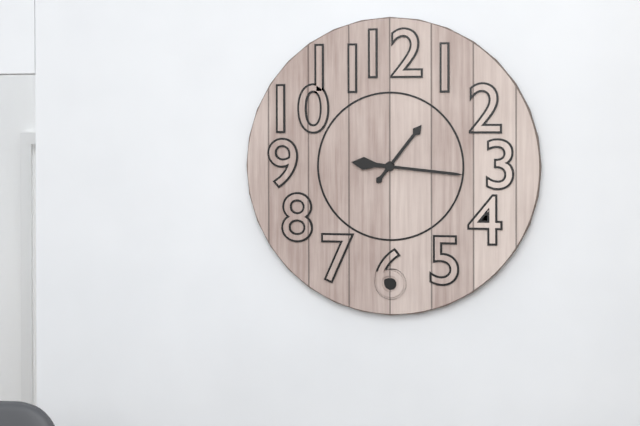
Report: {"hour": 1, "minute": 16}
